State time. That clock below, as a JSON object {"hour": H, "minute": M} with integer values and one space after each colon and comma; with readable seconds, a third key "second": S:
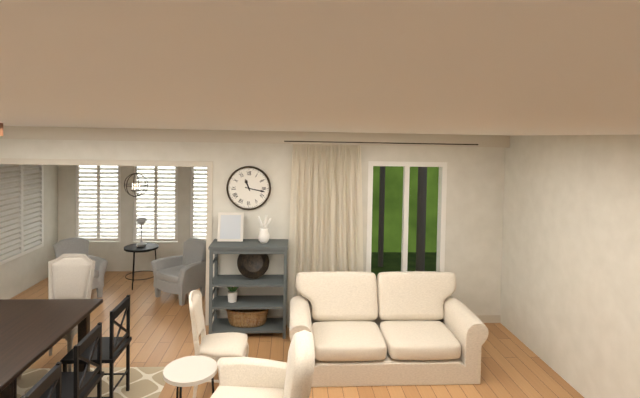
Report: {"hour": 11, "minute": 17}
